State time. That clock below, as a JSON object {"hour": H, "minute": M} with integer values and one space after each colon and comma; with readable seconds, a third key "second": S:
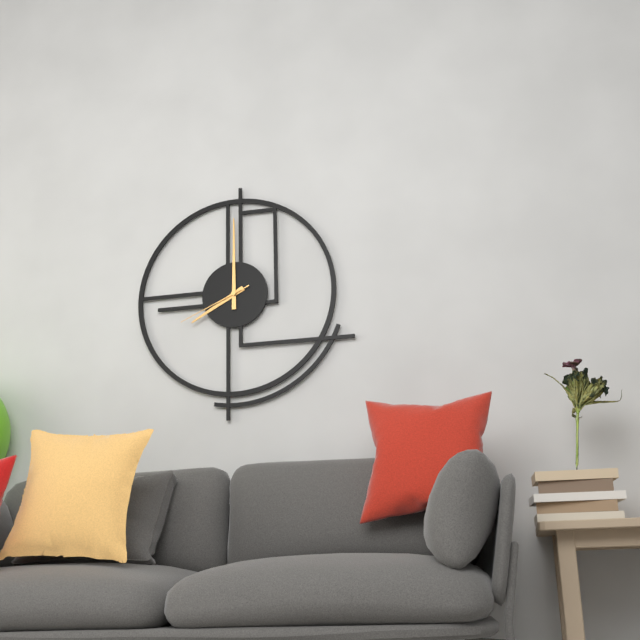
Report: {"hour": 8, "minute": 0, "second": 41}
